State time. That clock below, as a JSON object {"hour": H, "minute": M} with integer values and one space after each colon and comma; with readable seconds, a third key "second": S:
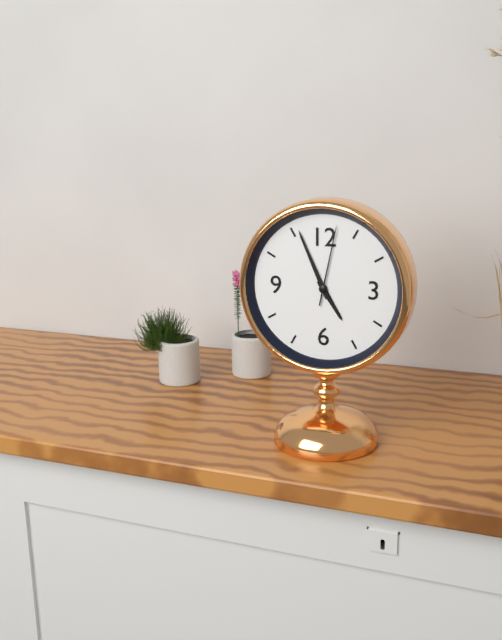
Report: {"hour": 4, "minute": 56, "second": 2}
